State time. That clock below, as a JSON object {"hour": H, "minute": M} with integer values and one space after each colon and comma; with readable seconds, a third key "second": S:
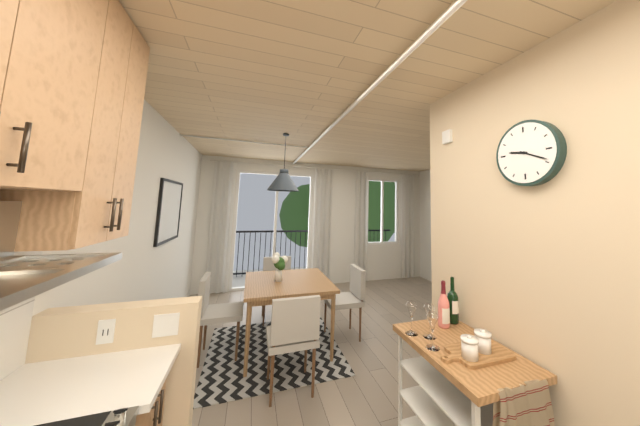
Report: {"hour": 9, "minute": 19}
